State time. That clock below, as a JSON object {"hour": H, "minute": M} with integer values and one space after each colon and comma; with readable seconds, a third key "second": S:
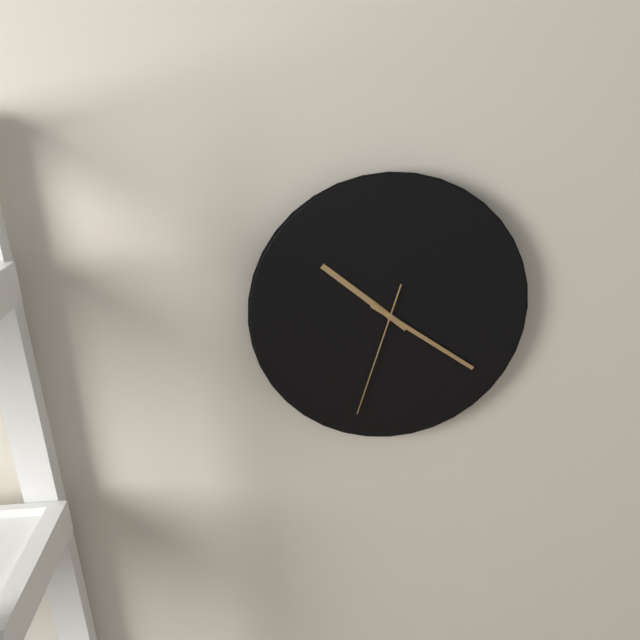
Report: {"hour": 10, "minute": 21, "second": 33}
